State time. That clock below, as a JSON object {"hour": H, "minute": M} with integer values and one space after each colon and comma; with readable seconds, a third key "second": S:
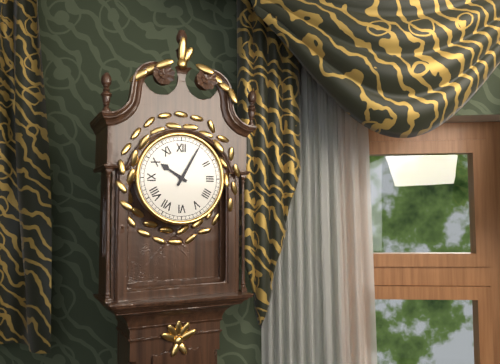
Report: {"hour": 10, "minute": 5}
